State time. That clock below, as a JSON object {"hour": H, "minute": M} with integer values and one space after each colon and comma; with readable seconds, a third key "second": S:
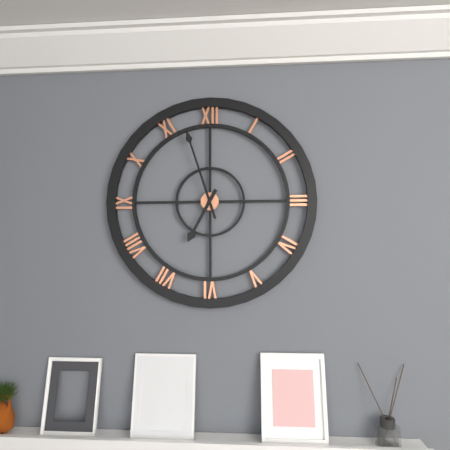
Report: {"hour": 6, "minute": 57}
